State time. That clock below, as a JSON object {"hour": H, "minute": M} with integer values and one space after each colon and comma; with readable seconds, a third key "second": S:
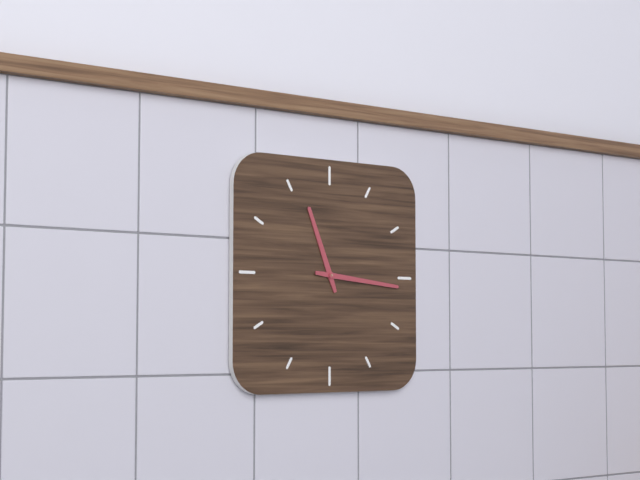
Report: {"hour": 11, "minute": 16}
